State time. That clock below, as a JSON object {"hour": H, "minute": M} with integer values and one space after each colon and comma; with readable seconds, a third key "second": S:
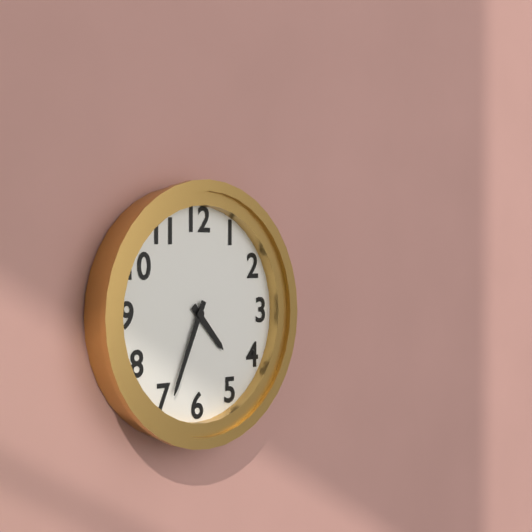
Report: {"hour": 4, "minute": 34}
